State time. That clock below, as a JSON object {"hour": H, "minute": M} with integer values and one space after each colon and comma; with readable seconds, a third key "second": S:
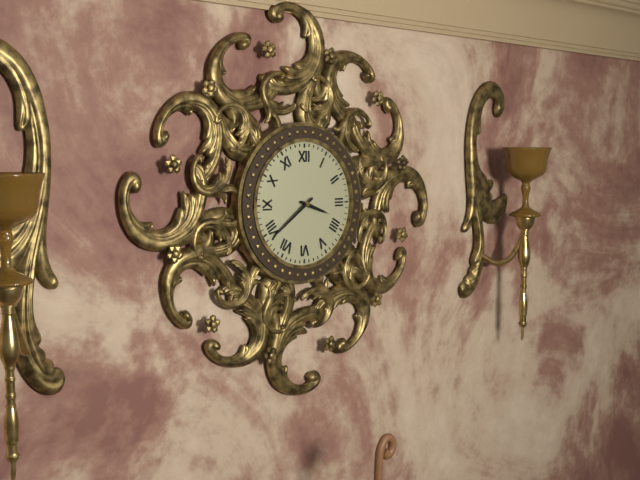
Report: {"hour": 3, "minute": 39}
